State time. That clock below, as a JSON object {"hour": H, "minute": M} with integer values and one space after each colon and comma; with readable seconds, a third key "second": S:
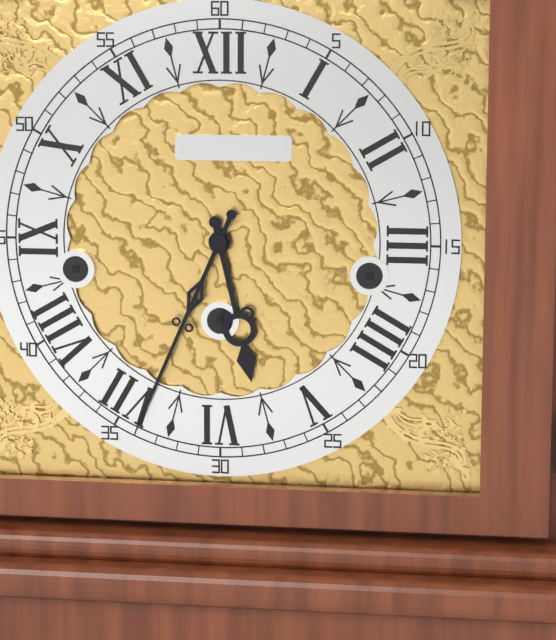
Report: {"hour": 5, "minute": 34}
